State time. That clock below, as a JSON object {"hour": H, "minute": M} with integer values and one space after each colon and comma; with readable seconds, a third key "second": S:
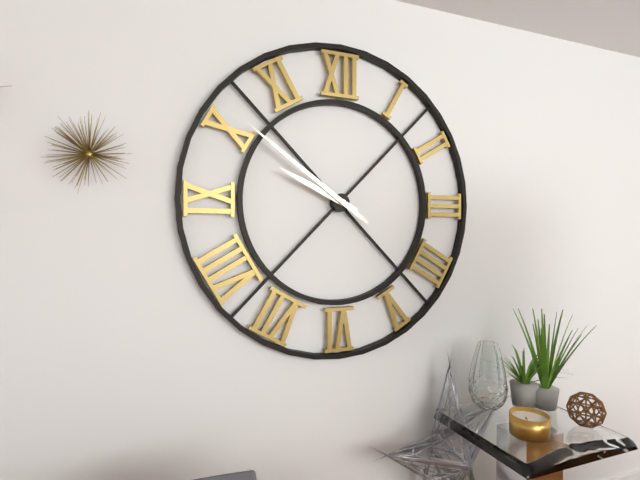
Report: {"hour": 9, "minute": 51}
